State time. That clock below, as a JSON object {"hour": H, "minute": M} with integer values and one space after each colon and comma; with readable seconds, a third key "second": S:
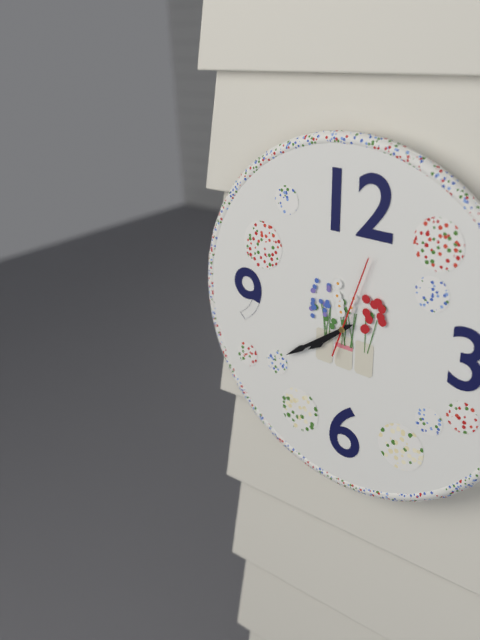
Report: {"hour": 7, "minute": 39, "second": 3}
